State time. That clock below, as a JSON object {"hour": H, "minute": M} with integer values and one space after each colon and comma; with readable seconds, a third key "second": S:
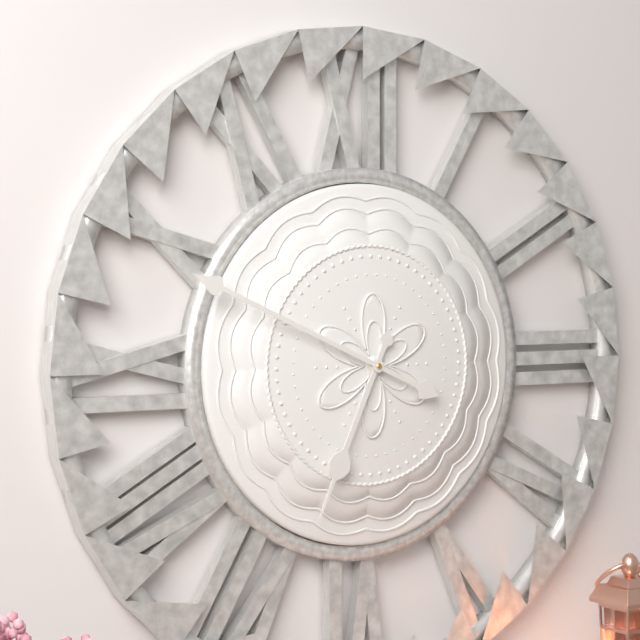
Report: {"hour": 6, "minute": 49}
